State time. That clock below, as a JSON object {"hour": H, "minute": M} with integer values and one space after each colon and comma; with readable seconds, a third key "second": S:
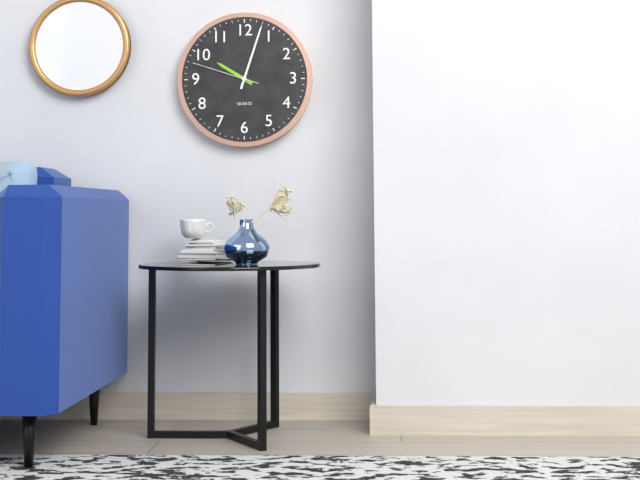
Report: {"hour": 10, "minute": 3, "second": 48}
